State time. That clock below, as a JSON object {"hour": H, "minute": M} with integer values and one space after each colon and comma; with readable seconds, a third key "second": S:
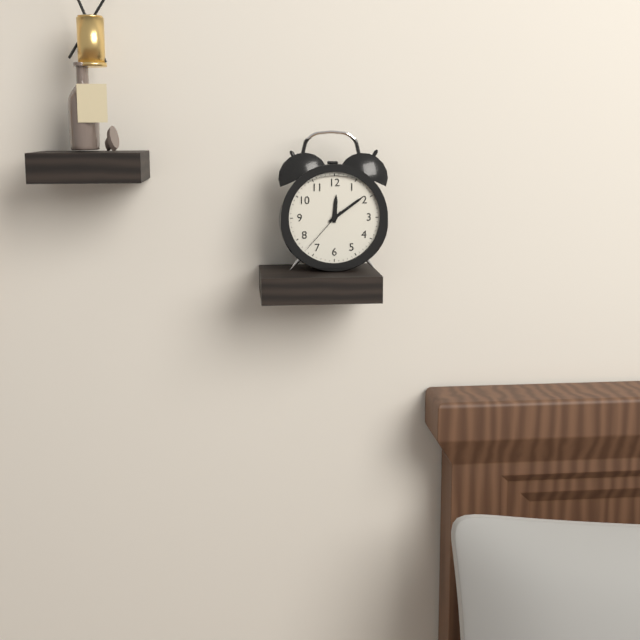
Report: {"hour": 12, "minute": 9, "second": 37}
